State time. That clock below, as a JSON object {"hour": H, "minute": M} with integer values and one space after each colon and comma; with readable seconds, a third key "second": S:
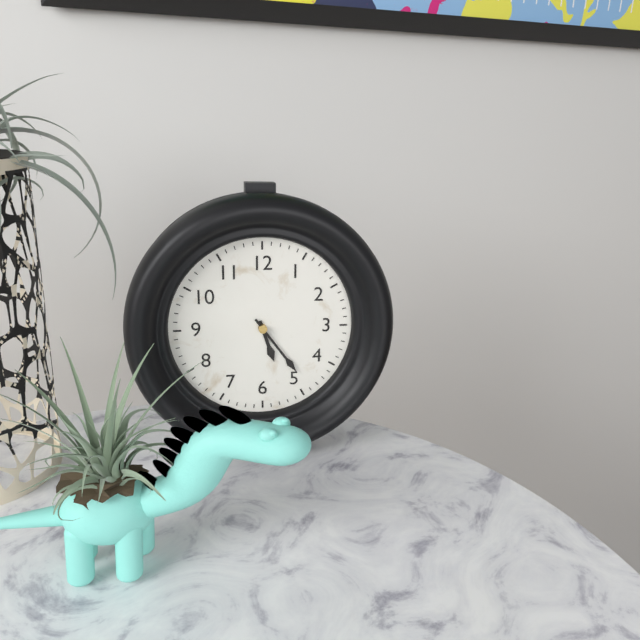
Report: {"hour": 5, "minute": 24}
